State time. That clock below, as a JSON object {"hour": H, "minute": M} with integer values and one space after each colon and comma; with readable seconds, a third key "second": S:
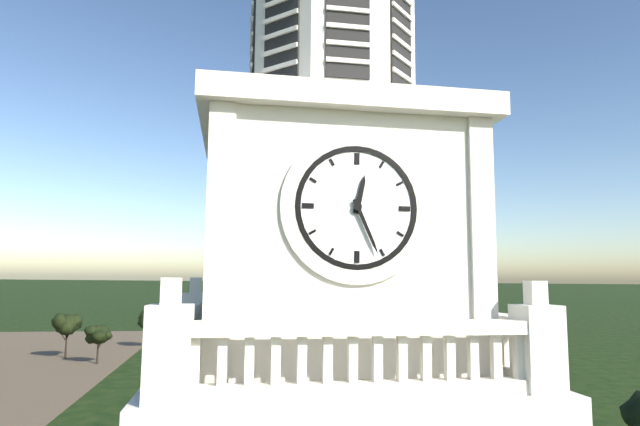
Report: {"hour": 12, "minute": 26}
